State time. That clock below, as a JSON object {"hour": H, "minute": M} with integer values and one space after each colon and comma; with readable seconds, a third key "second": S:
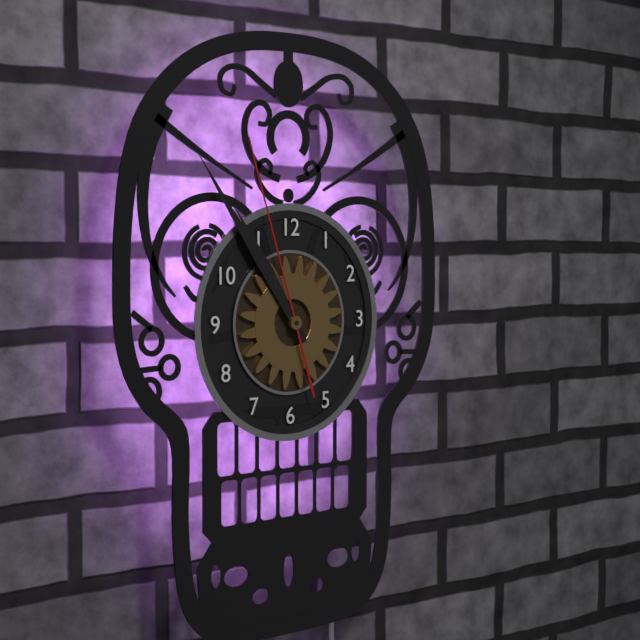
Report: {"hour": 10, "minute": 54, "second": 57}
